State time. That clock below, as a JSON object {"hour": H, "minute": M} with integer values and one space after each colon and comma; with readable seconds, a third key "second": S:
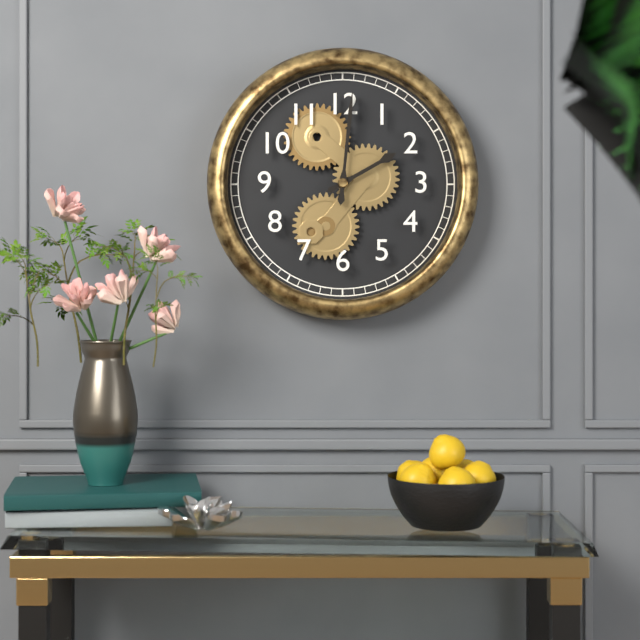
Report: {"hour": 2, "minute": 1}
